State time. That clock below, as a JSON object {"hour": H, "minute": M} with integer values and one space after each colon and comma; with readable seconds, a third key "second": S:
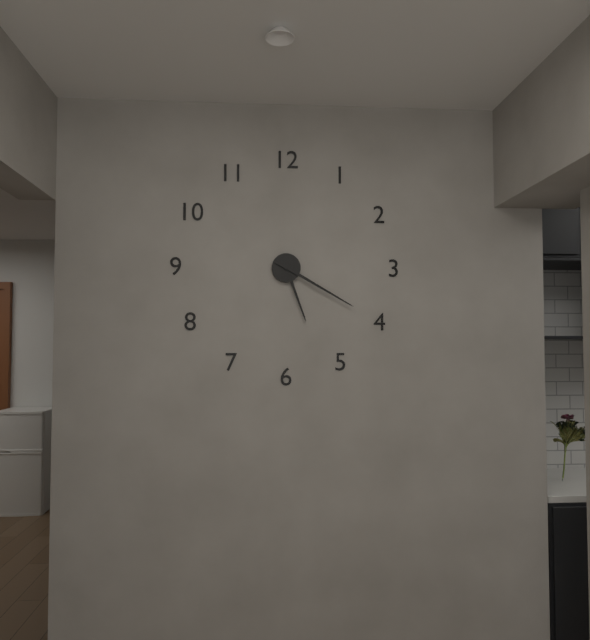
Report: {"hour": 5, "minute": 20}
